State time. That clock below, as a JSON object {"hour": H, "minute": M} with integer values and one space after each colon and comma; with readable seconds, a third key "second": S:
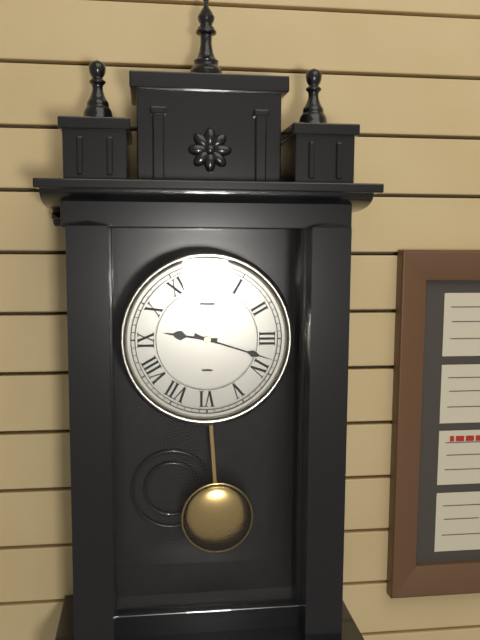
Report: {"hour": 9, "minute": 18}
